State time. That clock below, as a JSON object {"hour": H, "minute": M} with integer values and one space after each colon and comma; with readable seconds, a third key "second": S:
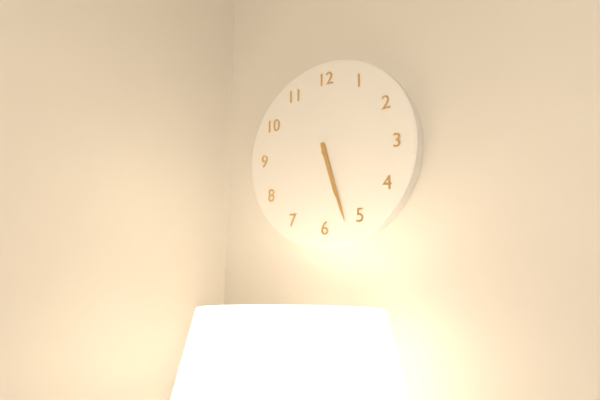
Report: {"hour": 5, "minute": 27}
